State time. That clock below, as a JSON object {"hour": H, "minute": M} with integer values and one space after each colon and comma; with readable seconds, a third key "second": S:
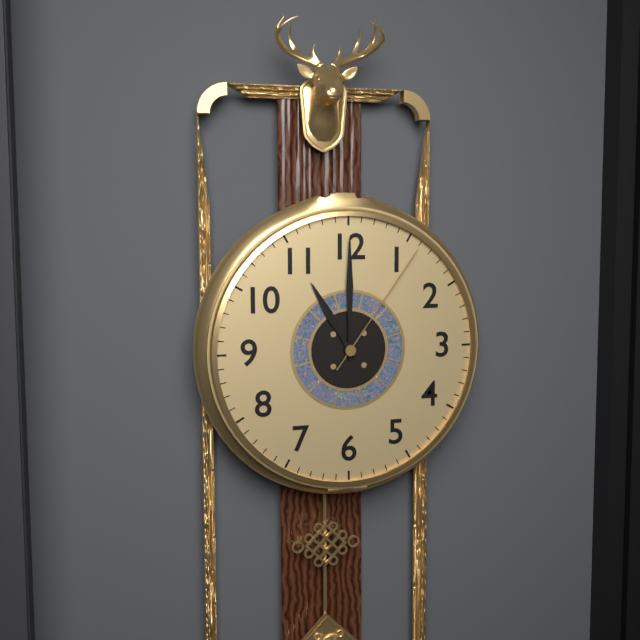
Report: {"hour": 11, "minute": 0, "second": 6}
